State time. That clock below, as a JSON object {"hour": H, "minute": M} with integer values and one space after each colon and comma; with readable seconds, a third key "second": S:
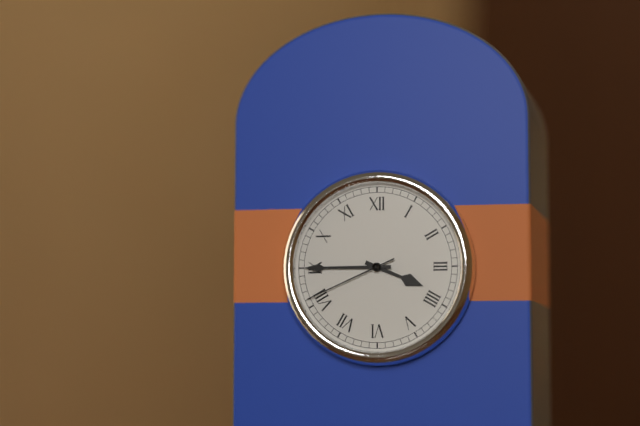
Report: {"hour": 3, "minute": 45, "second": 41}
